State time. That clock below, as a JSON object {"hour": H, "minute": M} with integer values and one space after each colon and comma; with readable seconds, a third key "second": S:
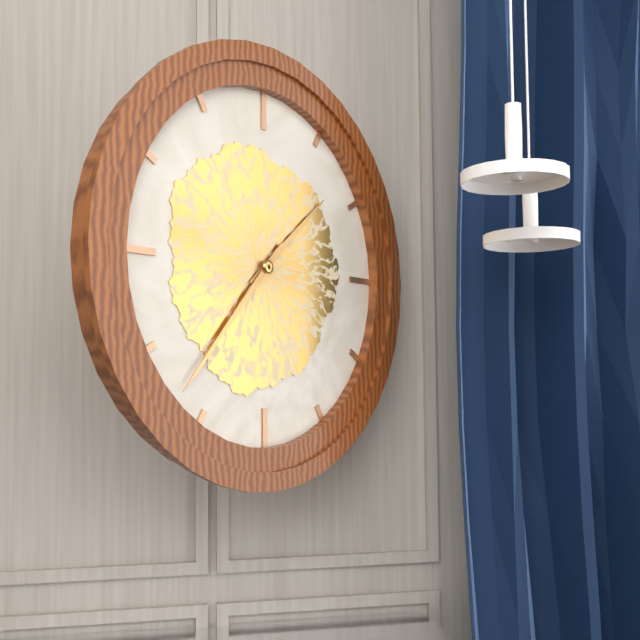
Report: {"hour": 1, "minute": 37}
